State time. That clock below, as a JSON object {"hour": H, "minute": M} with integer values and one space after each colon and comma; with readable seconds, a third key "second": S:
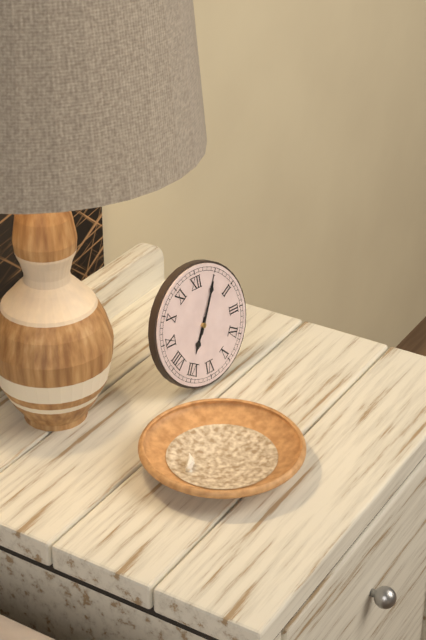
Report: {"hour": 7, "minute": 5}
